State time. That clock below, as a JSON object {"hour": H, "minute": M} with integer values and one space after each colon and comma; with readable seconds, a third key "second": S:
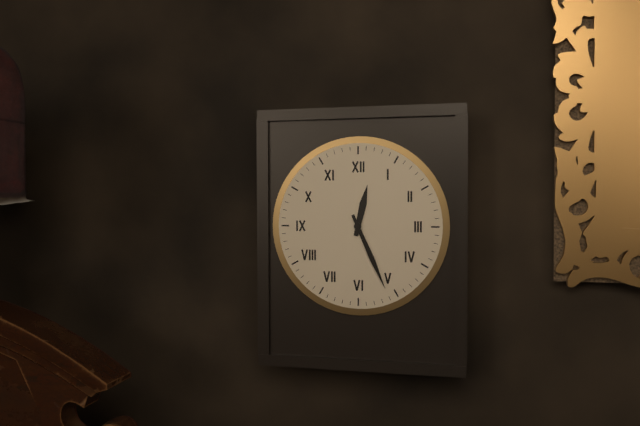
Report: {"hour": 12, "minute": 26}
